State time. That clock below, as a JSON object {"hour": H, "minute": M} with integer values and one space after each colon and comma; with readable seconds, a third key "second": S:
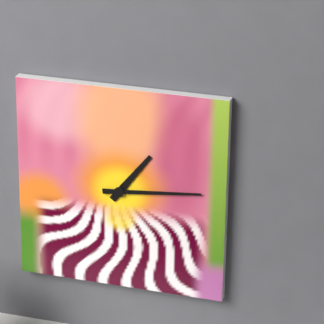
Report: {"hour": 1, "minute": 14}
